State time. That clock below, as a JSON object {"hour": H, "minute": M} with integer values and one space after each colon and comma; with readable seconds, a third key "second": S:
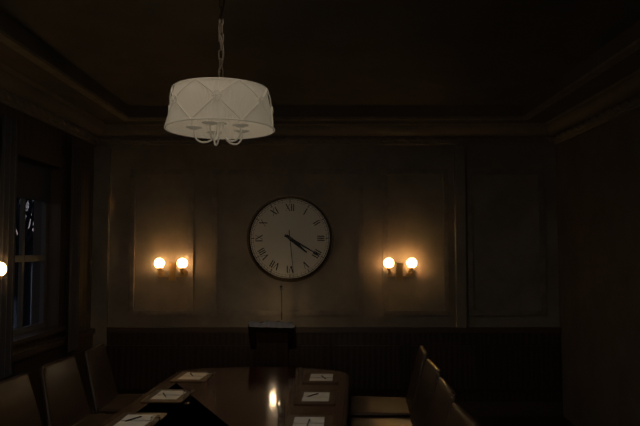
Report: {"hour": 4, "minute": 20}
